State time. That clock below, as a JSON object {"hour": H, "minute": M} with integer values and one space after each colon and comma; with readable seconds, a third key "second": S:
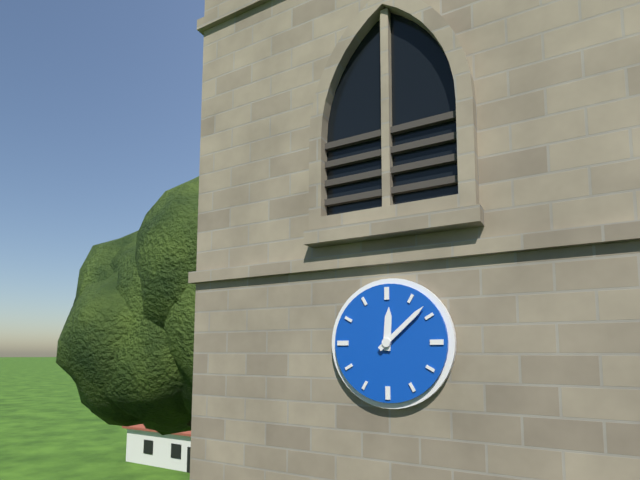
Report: {"hour": 12, "minute": 8}
